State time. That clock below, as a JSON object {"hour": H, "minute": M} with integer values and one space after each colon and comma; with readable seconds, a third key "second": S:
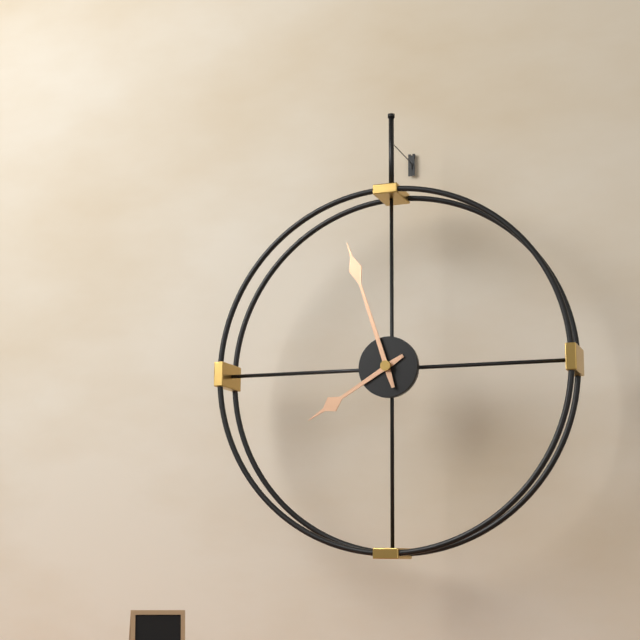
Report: {"hour": 7, "minute": 57}
